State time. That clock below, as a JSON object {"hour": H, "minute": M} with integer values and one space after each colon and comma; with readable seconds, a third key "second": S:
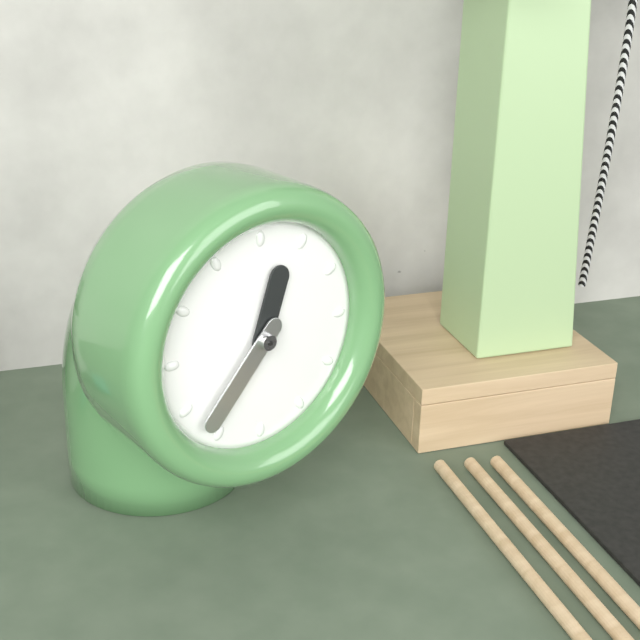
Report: {"hour": 12, "minute": 37}
